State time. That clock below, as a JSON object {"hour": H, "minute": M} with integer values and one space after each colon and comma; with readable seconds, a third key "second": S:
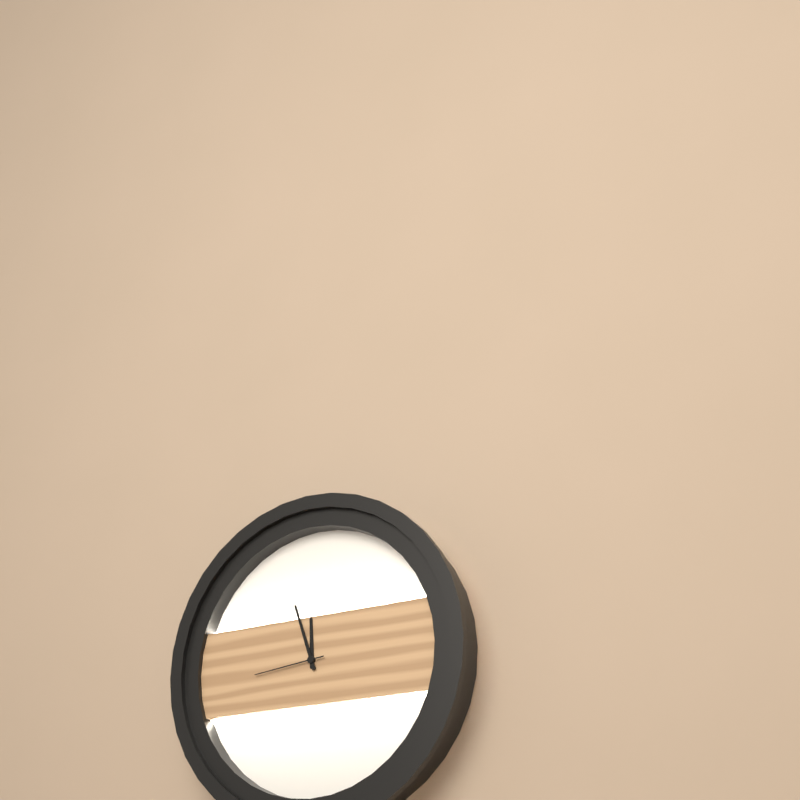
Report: {"hour": 11, "minute": 57, "second": 44}
